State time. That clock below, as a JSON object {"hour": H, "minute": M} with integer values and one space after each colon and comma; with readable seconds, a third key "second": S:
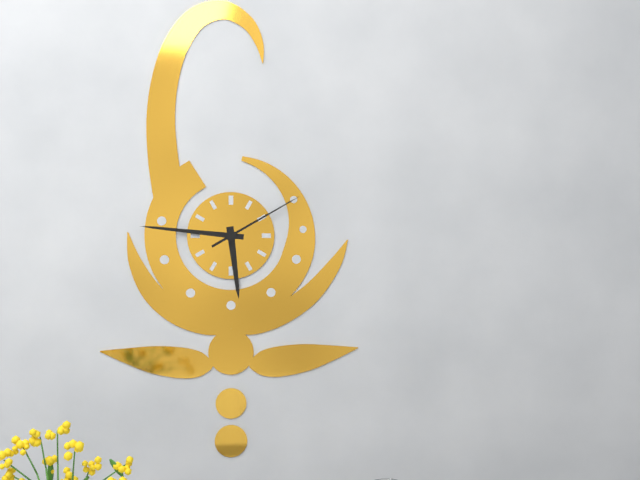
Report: {"hour": 5, "minute": 46, "second": 10}
